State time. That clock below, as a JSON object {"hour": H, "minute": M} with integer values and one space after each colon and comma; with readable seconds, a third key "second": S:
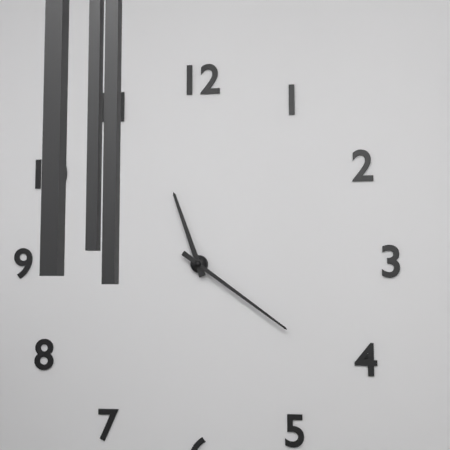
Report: {"hour": 11, "minute": 21}
